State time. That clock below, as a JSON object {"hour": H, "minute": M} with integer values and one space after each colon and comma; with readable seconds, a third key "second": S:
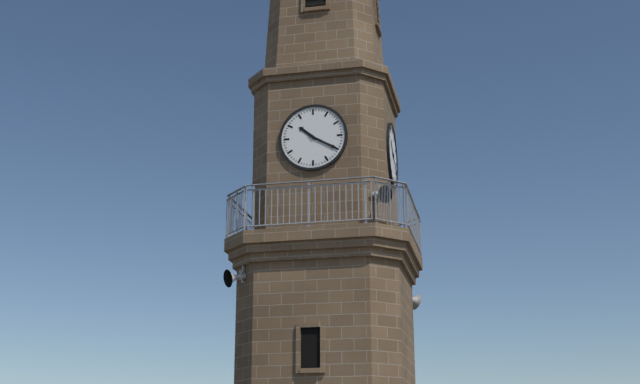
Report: {"hour": 10, "minute": 20}
